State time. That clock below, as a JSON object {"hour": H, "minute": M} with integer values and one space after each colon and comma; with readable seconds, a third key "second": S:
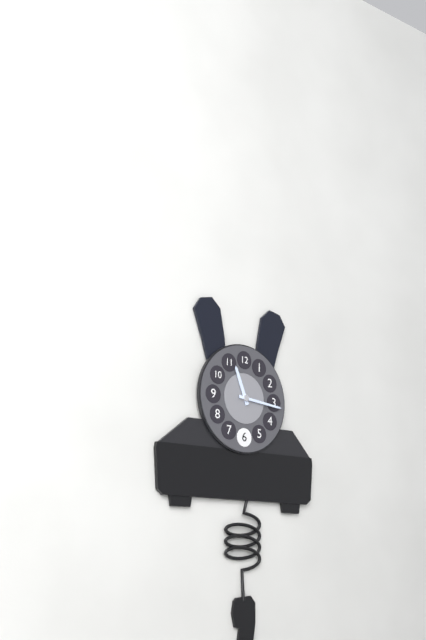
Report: {"hour": 11, "minute": 16}
